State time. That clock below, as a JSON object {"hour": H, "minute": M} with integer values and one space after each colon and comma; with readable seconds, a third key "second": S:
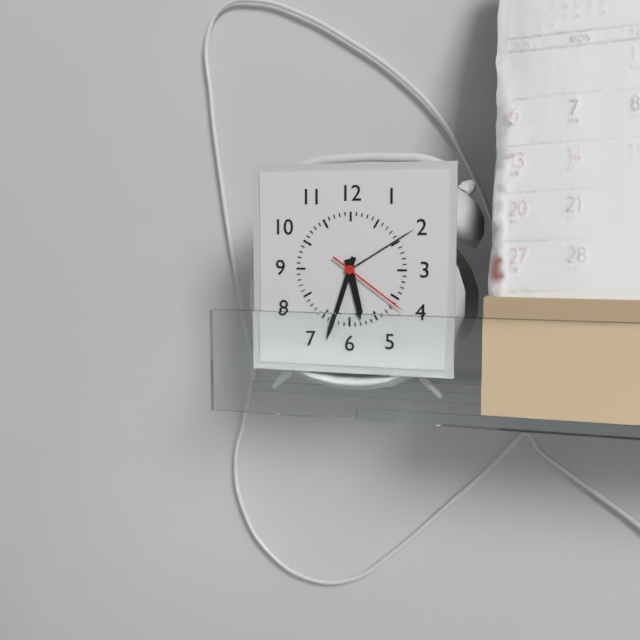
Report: {"hour": 5, "minute": 33, "second": 21}
